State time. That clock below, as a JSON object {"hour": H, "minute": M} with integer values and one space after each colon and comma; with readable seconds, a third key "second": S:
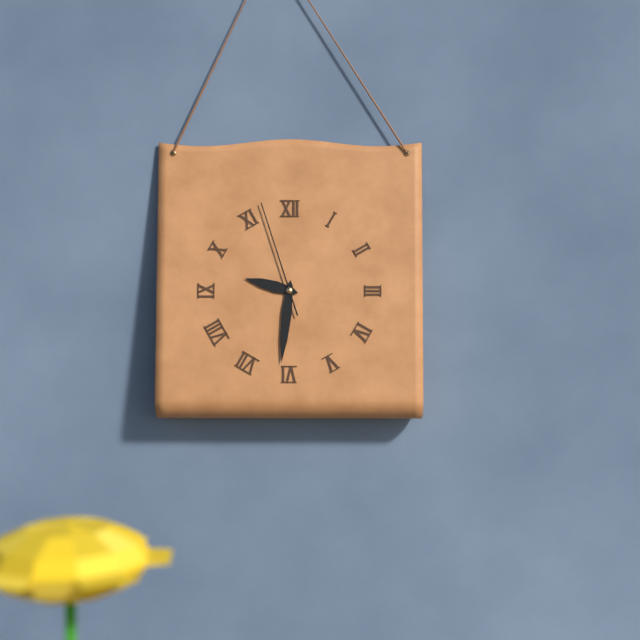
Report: {"hour": 9, "minute": 31, "second": 57}
